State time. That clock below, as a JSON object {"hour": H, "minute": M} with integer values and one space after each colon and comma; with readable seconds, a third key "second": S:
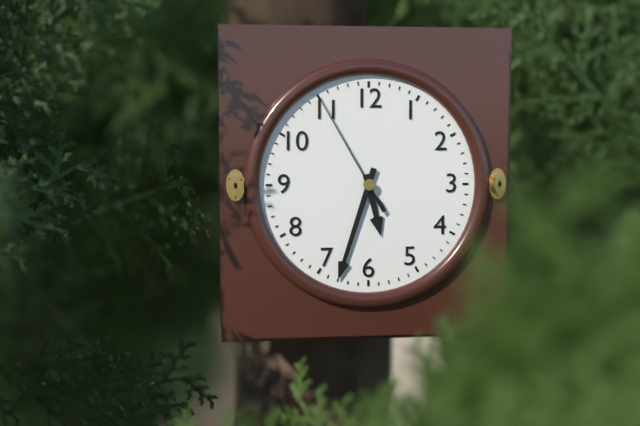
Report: {"hour": 5, "minute": 33, "second": 55}
